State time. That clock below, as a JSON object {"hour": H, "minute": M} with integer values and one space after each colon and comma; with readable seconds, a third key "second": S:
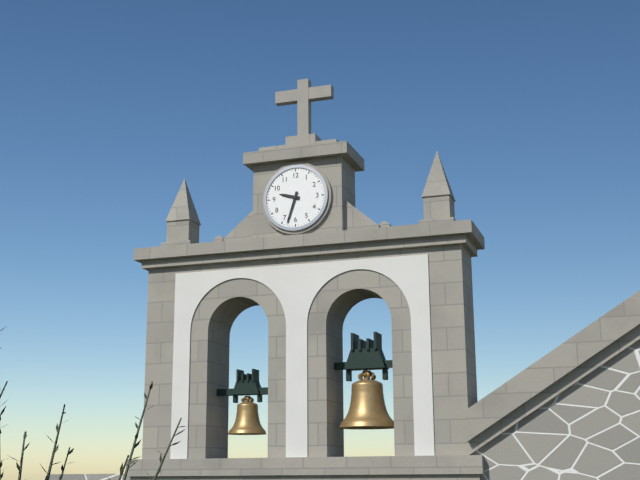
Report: {"hour": 9, "minute": 33}
